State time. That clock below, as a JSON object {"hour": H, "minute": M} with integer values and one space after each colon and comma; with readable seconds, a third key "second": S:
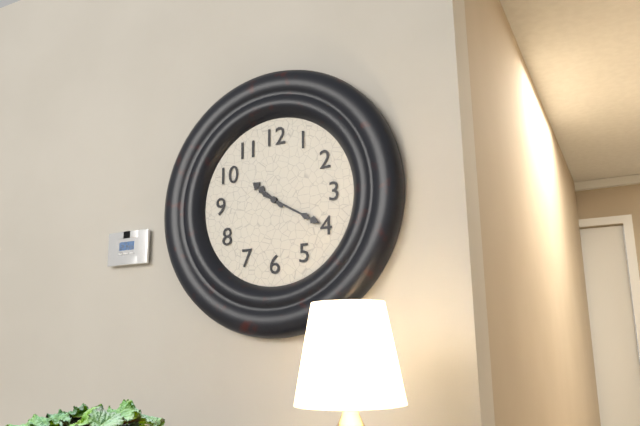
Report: {"hour": 10, "minute": 20}
